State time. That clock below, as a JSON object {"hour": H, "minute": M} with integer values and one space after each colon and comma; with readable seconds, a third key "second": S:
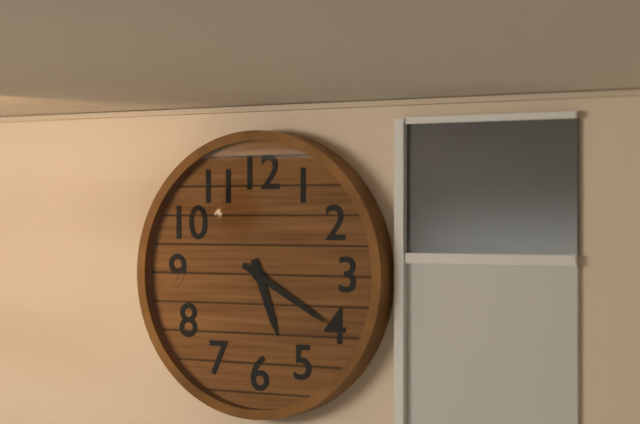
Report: {"hour": 5, "minute": 20}
